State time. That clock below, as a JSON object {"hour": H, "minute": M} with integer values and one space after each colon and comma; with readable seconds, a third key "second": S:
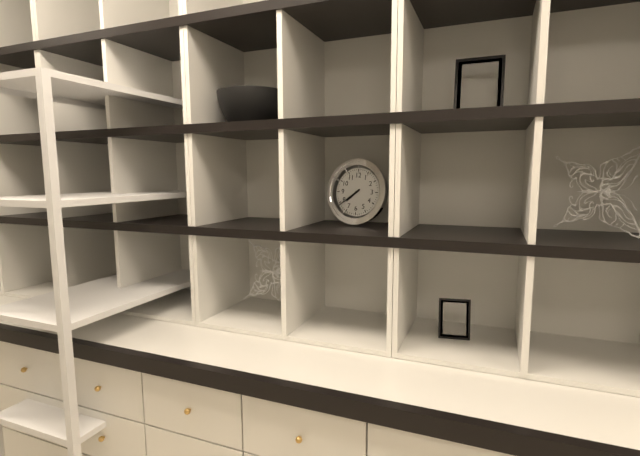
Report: {"hour": 7, "minute": 39}
